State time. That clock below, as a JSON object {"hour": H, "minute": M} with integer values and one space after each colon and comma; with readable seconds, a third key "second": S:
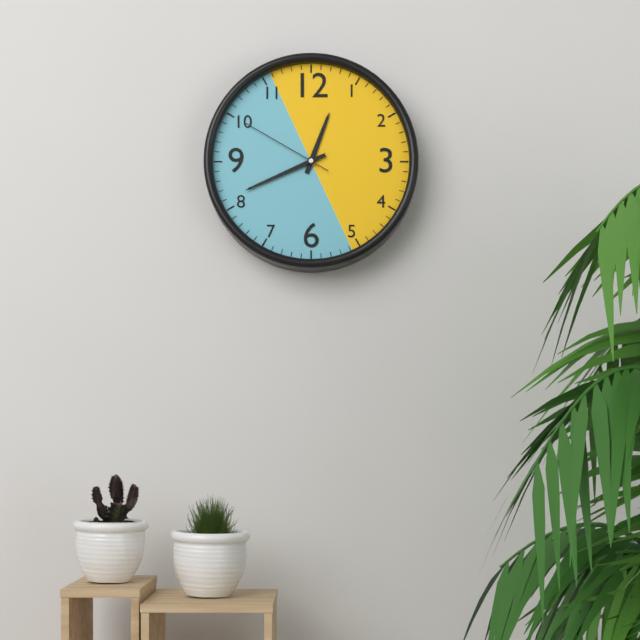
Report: {"hour": 12, "minute": 41, "second": 50}
